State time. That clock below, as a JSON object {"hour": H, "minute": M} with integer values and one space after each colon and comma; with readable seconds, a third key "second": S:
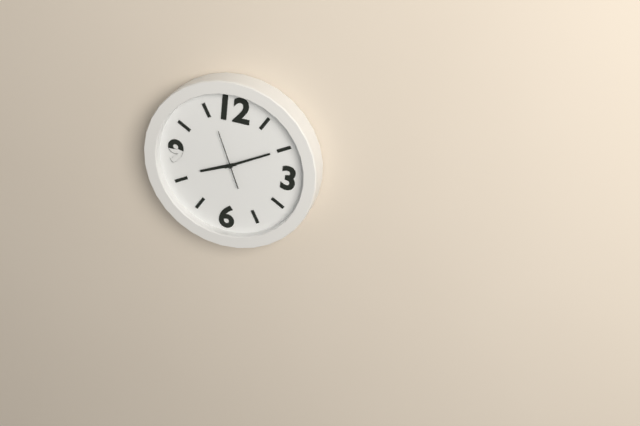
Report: {"hour": 8, "minute": 10}
